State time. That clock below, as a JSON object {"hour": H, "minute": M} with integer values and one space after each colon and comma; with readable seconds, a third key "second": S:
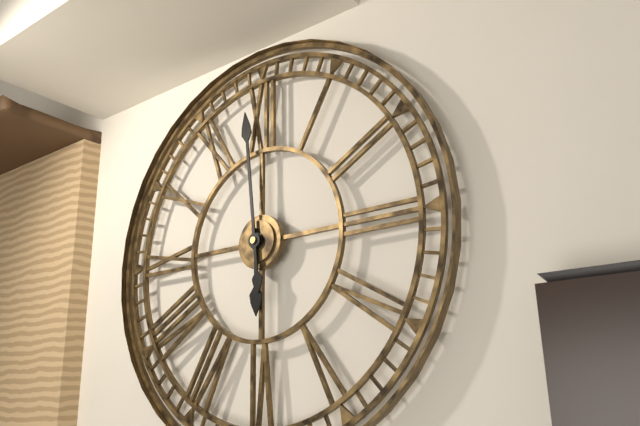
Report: {"hour": 5, "minute": 59}
